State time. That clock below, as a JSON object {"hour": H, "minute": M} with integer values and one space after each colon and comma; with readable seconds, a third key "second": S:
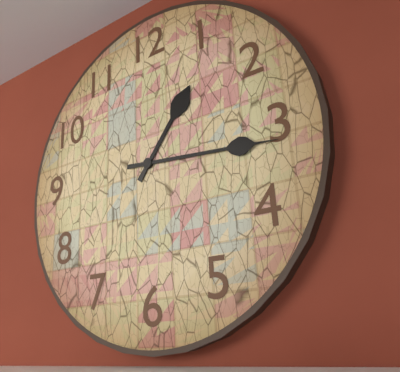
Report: {"hour": 1, "minute": 16}
